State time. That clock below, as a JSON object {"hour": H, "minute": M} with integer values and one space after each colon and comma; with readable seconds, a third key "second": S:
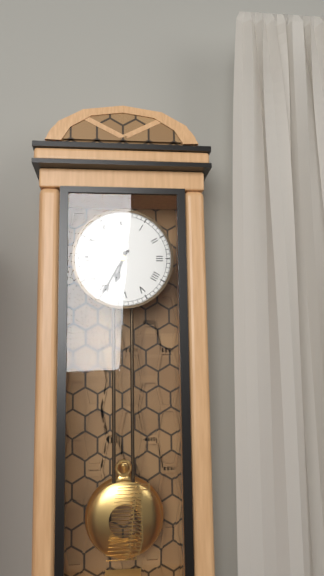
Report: {"hour": 6, "minute": 35}
